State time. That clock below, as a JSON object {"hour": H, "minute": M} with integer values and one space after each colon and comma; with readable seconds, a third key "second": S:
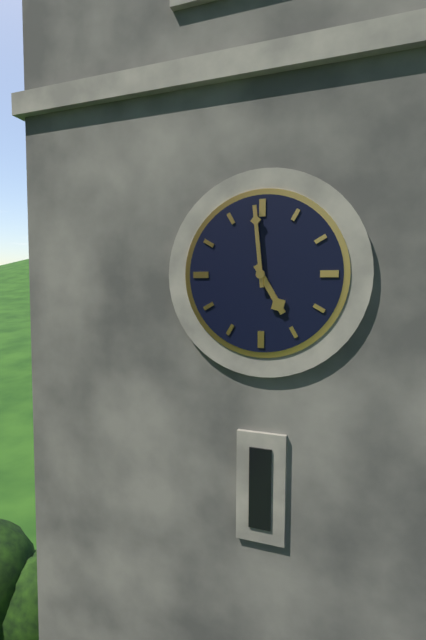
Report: {"hour": 4, "minute": 59}
